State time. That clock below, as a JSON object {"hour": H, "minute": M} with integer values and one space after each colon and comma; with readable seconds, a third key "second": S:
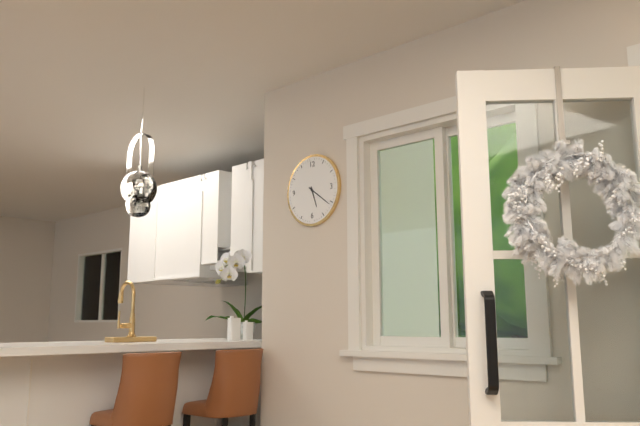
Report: {"hour": 5, "minute": 21}
